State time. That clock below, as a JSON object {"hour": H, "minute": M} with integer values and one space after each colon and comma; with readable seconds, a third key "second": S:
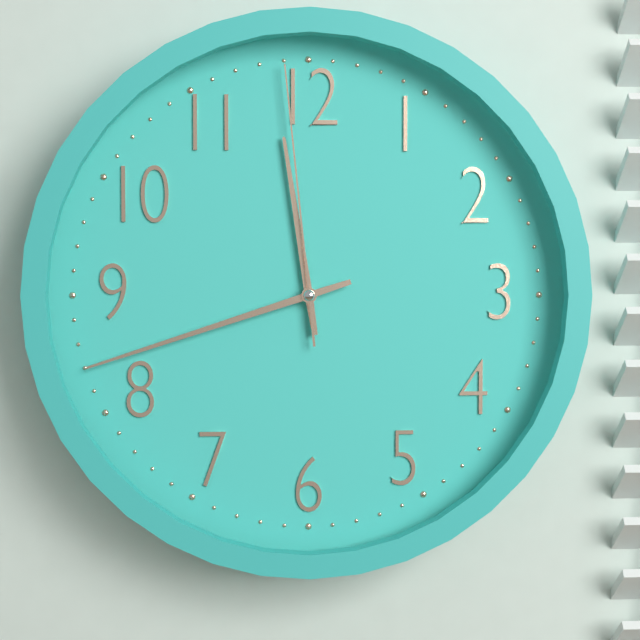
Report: {"hour": 11, "minute": 42, "second": 59}
